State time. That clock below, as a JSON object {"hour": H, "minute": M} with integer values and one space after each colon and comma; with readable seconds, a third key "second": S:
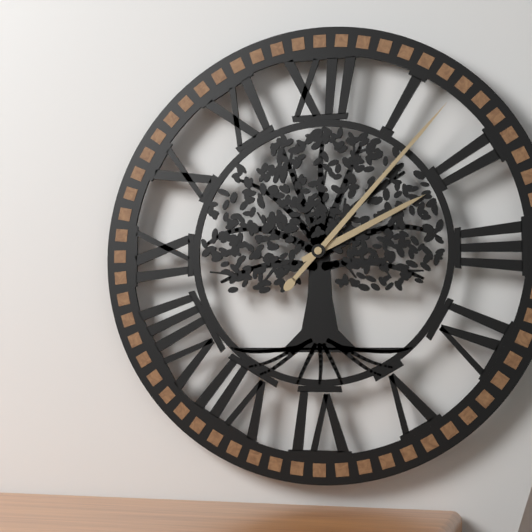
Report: {"hour": 2, "minute": 7}
